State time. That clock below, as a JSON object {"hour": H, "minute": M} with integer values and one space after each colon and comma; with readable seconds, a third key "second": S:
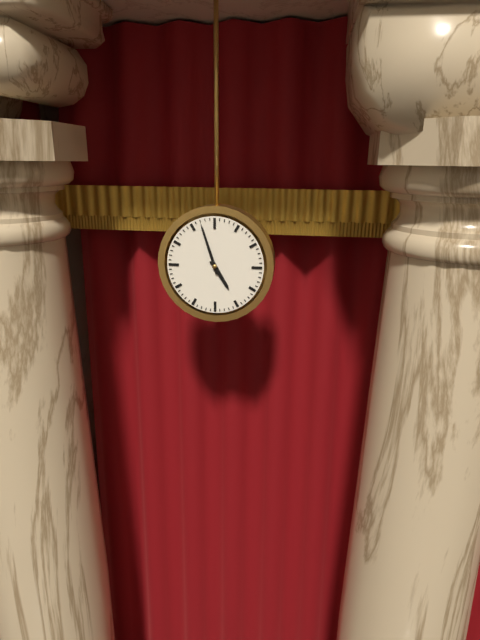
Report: {"hour": 4, "minute": 57}
